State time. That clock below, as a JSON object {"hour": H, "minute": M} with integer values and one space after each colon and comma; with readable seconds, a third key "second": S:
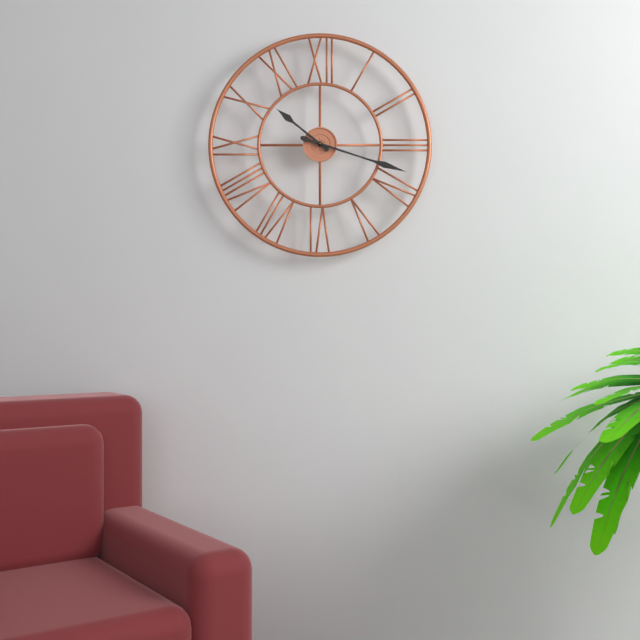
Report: {"hour": 10, "minute": 18}
